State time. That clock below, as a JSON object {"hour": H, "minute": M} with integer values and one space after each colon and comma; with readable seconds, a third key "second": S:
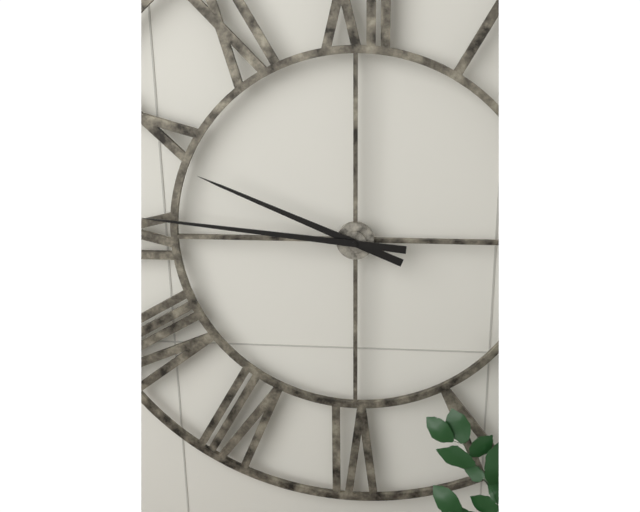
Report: {"hour": 9, "minute": 46}
